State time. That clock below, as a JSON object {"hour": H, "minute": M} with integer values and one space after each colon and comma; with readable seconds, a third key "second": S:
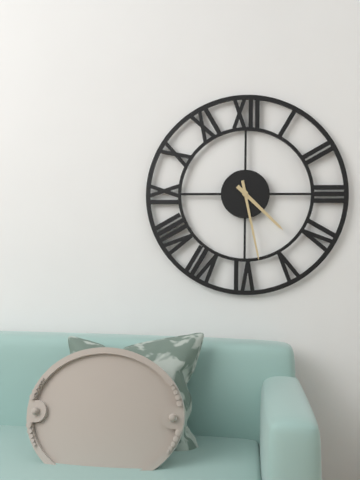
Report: {"hour": 4, "minute": 28}
